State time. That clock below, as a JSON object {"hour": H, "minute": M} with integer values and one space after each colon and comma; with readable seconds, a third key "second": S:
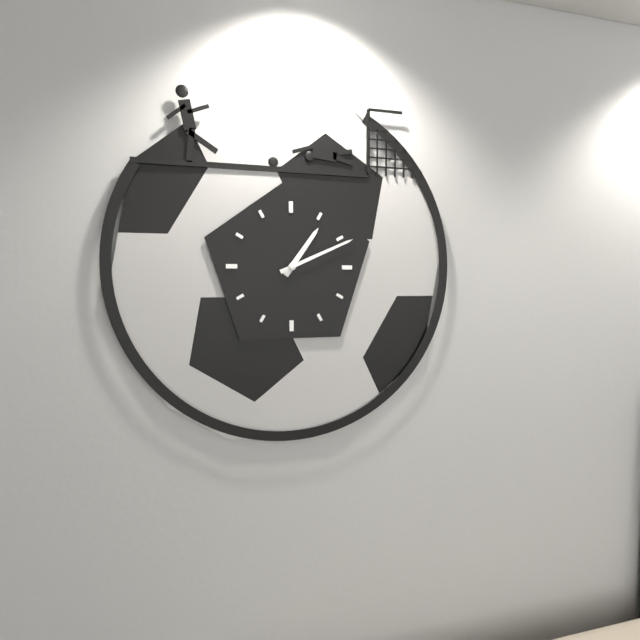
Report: {"hour": 1, "minute": 11}
